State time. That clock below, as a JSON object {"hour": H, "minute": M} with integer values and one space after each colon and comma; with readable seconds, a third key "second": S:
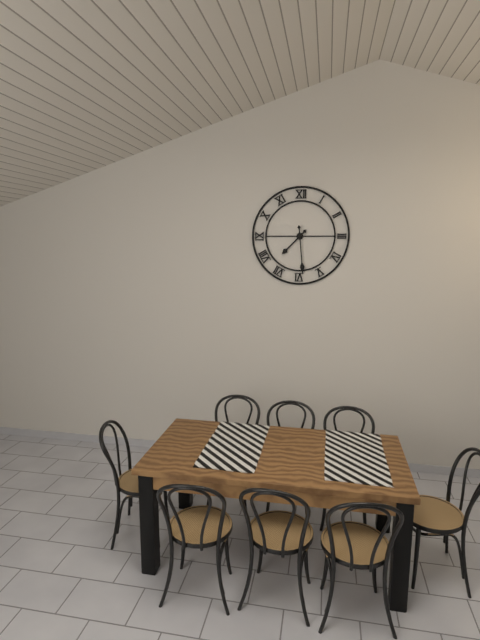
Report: {"hour": 7, "minute": 29}
